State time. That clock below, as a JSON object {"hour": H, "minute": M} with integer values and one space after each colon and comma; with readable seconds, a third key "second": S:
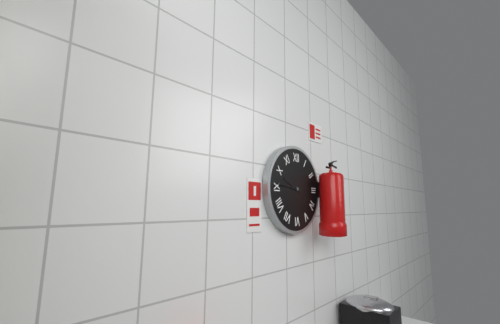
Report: {"hour": 9, "minute": 46}
